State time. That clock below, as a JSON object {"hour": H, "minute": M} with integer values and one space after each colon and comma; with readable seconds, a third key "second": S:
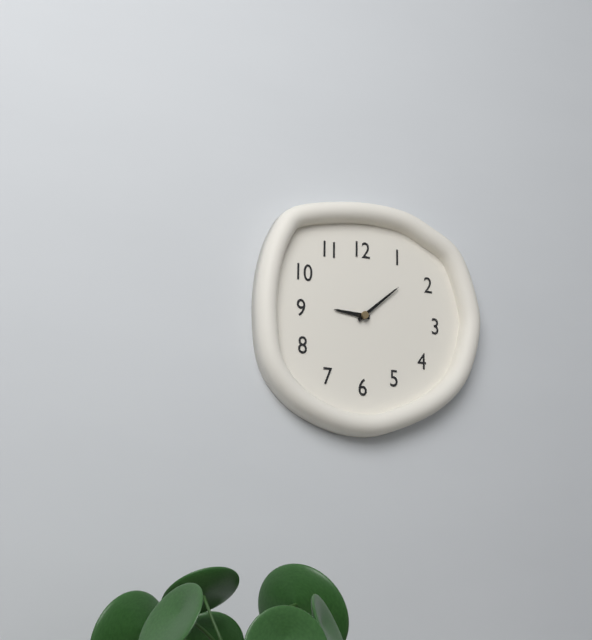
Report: {"hour": 9, "minute": 8}
